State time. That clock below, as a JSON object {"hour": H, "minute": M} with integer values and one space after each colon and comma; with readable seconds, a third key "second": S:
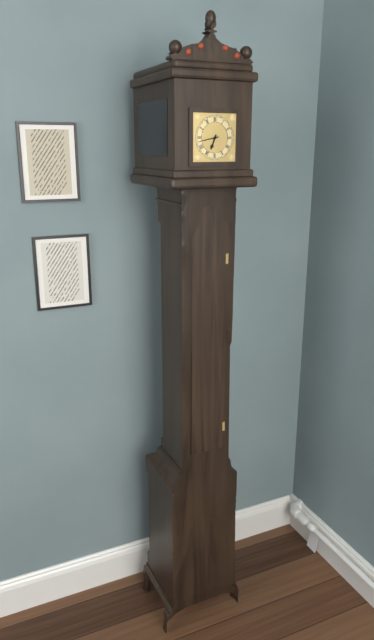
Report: {"hour": 6, "minute": 43}
